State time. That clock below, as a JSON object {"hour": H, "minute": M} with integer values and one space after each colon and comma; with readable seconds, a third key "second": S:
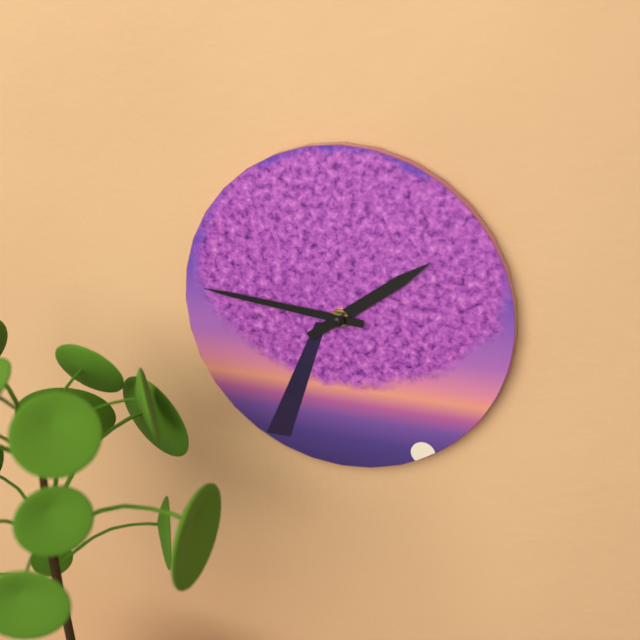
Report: {"hour": 1, "minute": 46}
